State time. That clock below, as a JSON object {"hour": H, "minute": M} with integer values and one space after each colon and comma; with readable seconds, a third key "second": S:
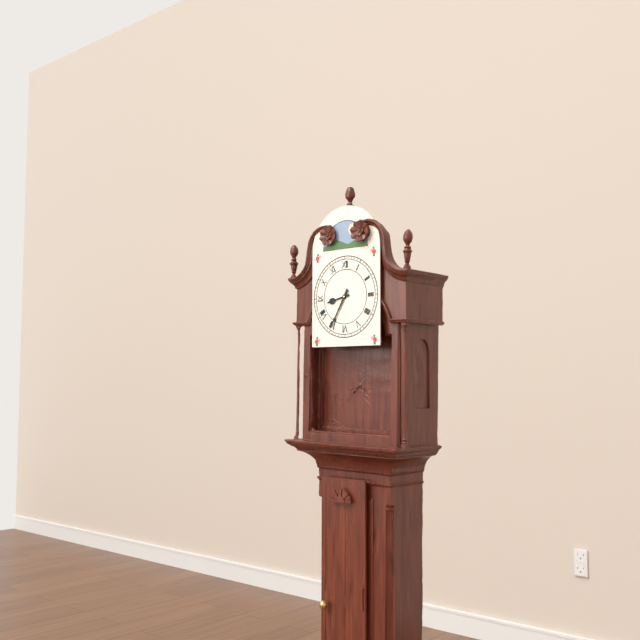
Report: {"hour": 8, "minute": 35}
